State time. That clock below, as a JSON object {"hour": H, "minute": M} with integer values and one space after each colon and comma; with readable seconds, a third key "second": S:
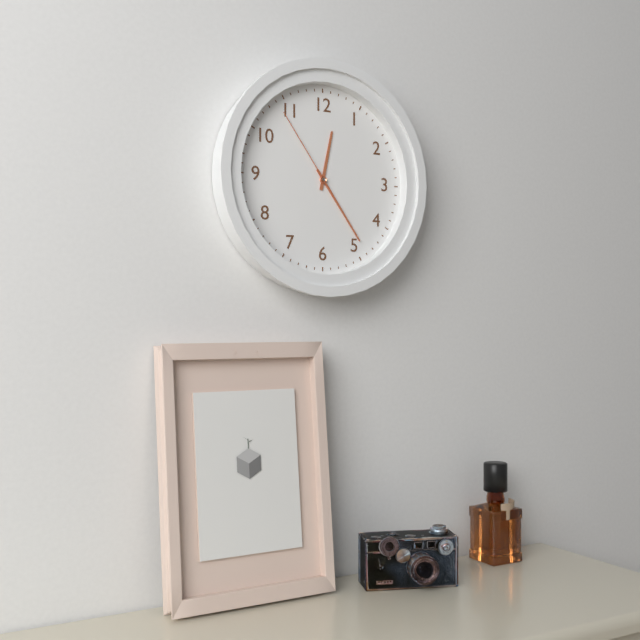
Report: {"hour": 12, "minute": 24, "second": 54}
